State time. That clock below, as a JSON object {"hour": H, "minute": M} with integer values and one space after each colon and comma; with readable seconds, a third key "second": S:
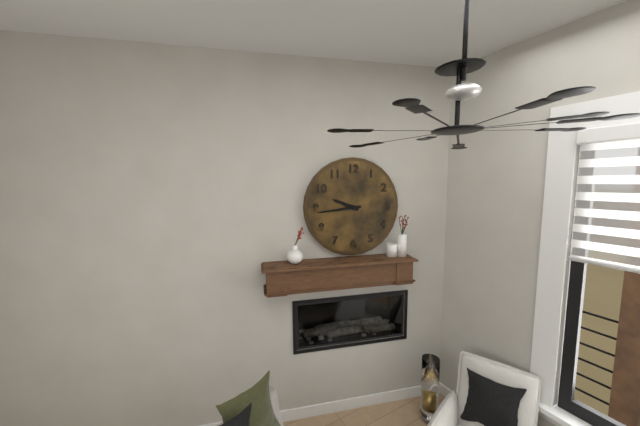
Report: {"hour": 9, "minute": 44}
